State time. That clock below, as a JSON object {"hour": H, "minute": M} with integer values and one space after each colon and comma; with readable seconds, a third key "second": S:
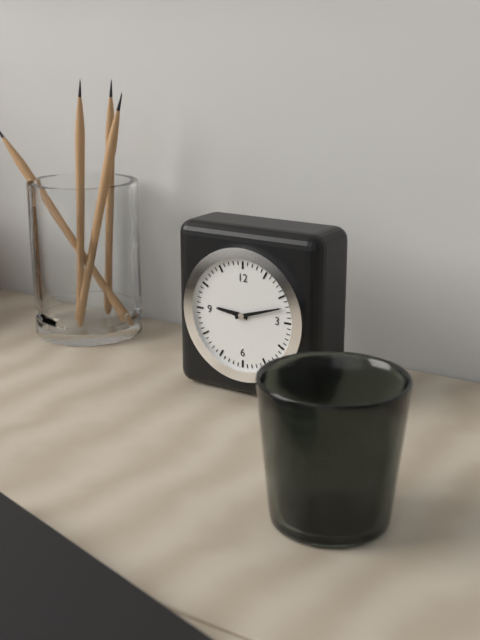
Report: {"hour": 9, "minute": 12}
